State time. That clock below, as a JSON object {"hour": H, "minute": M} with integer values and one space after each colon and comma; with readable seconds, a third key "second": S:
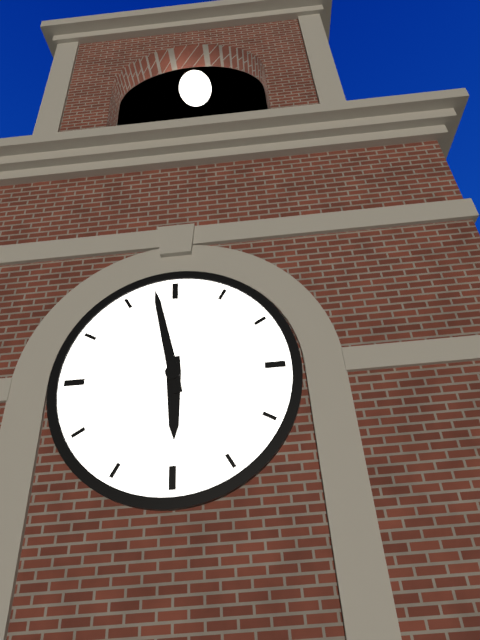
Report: {"hour": 5, "minute": 58}
